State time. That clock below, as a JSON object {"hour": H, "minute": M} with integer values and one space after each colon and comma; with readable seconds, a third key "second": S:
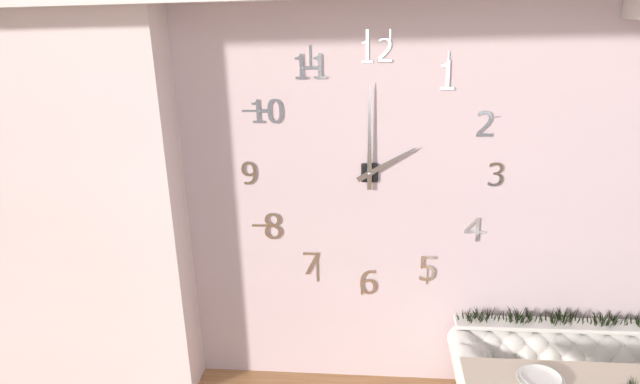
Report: {"hour": 2, "minute": 0}
